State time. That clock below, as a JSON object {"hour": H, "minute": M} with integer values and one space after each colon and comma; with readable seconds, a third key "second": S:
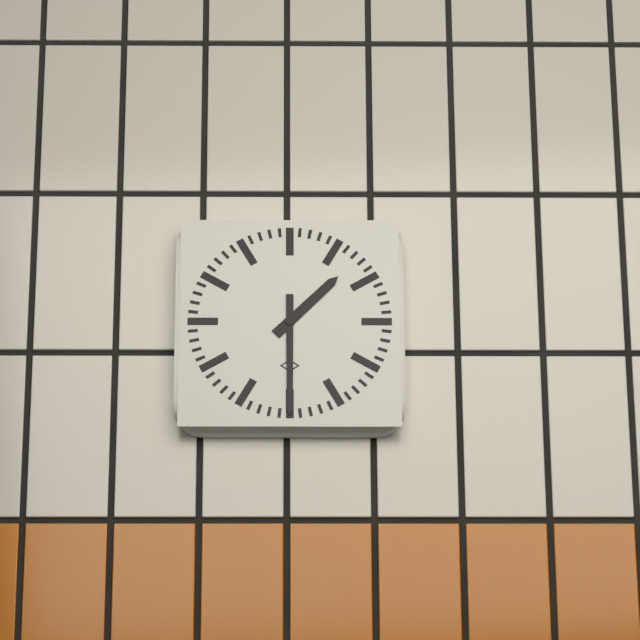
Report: {"hour": 1, "minute": 30}
